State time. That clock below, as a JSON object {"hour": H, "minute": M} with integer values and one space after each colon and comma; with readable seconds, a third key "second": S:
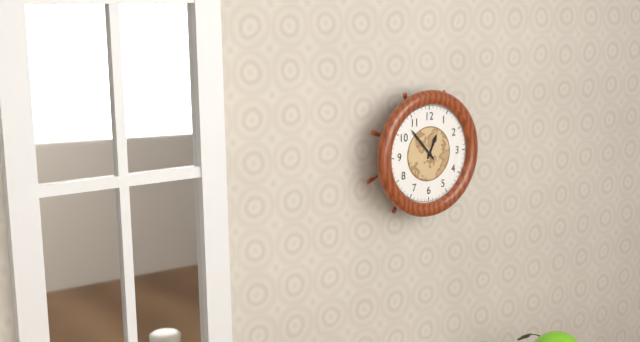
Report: {"hour": 12, "minute": 53}
